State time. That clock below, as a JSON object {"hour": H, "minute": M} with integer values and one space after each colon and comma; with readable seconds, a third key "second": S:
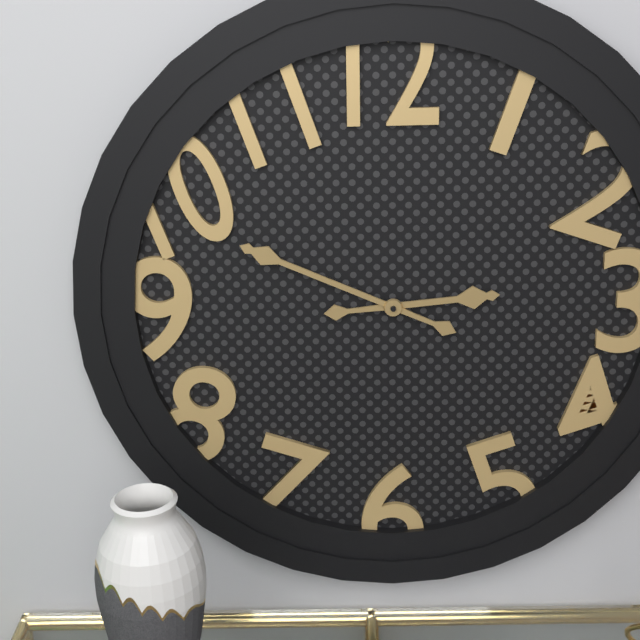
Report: {"hour": 2, "minute": 49}
